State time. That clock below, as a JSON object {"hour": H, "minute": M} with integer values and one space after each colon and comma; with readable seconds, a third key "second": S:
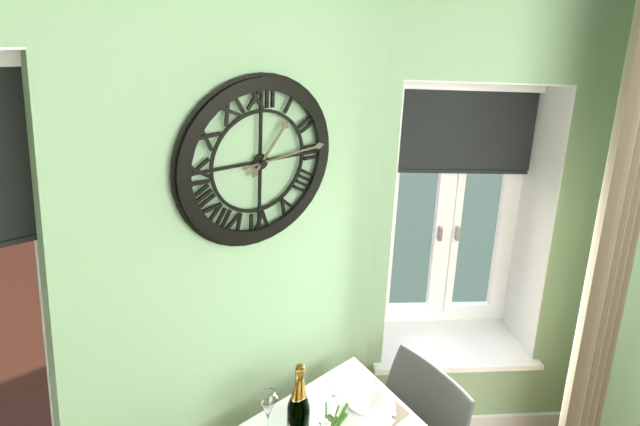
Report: {"hour": 1, "minute": 14}
